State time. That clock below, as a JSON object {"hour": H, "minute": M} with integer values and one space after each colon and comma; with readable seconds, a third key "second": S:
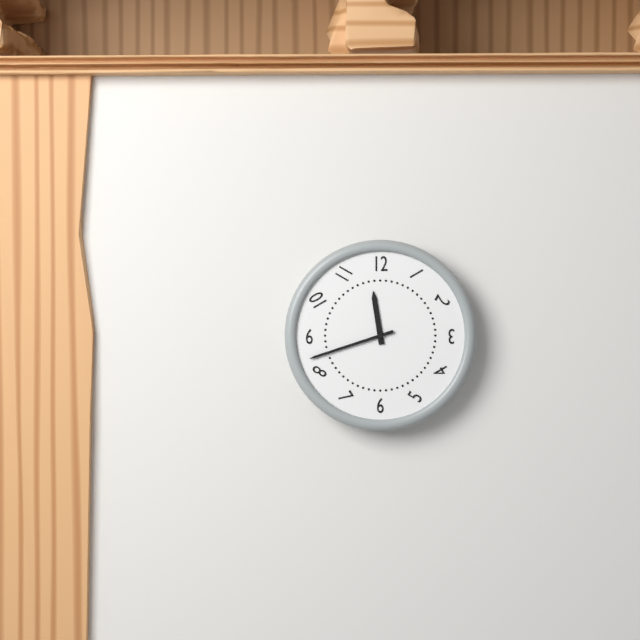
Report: {"hour": 11, "minute": 42}
